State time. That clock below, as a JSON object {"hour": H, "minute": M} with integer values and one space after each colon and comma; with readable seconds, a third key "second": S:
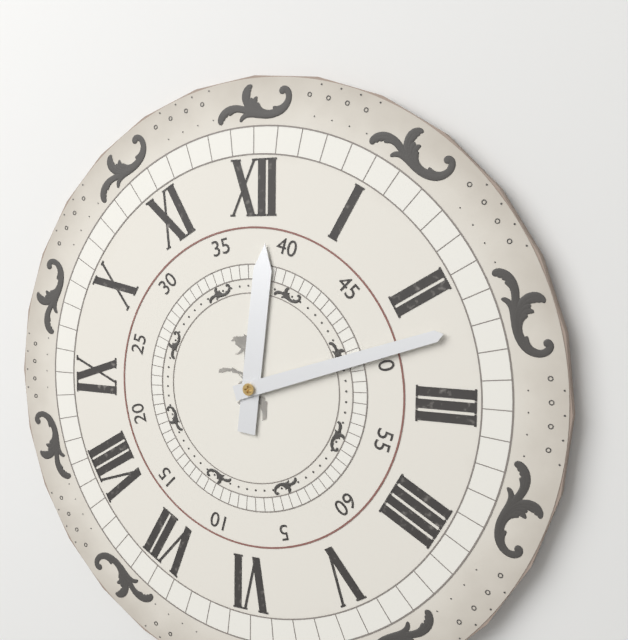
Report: {"hour": 12, "minute": 12}
